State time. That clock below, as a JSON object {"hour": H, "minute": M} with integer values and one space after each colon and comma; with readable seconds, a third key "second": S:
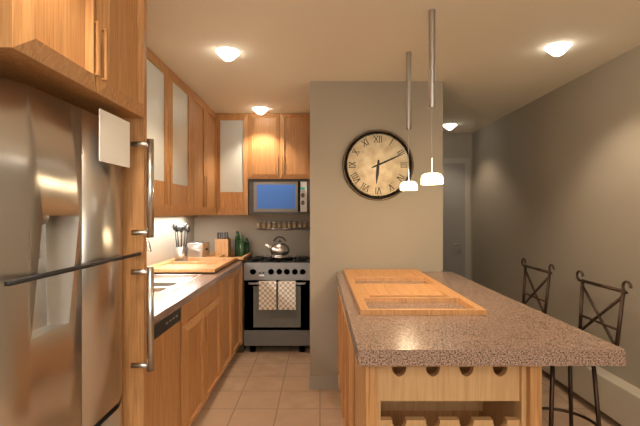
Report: {"hour": 6, "minute": 11}
